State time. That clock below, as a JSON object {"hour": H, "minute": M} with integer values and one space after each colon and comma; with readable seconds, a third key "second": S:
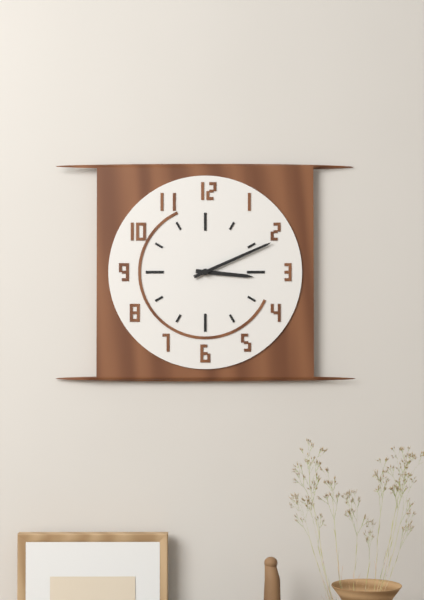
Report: {"hour": 3, "minute": 11}
